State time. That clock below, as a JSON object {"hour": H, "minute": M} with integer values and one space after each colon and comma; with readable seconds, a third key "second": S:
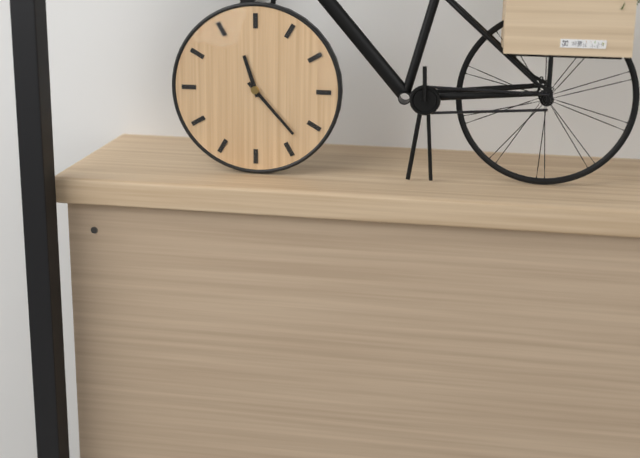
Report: {"hour": 11, "minute": 23}
